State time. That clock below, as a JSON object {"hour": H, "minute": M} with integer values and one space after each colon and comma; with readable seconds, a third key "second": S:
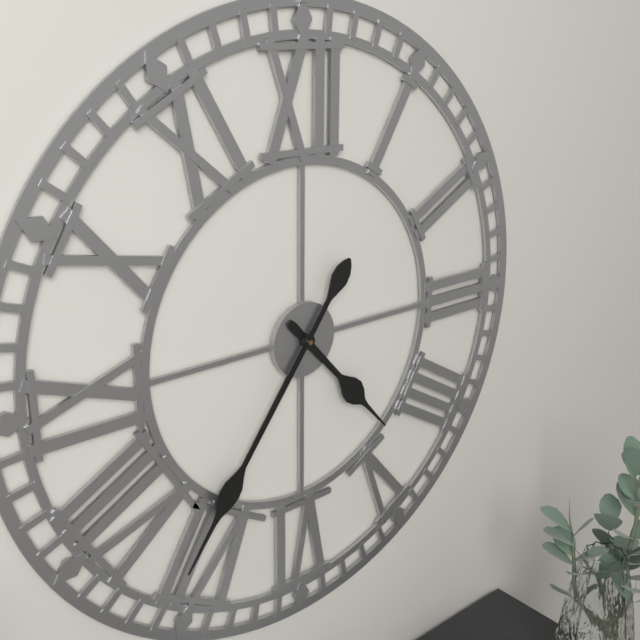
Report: {"hour": 4, "minute": 36}
